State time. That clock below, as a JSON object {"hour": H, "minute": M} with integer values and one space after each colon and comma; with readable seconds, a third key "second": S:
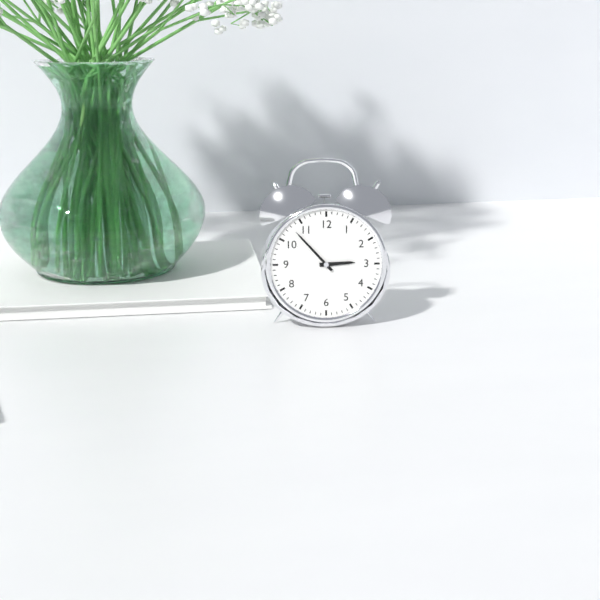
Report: {"hour": 2, "minute": 53}
